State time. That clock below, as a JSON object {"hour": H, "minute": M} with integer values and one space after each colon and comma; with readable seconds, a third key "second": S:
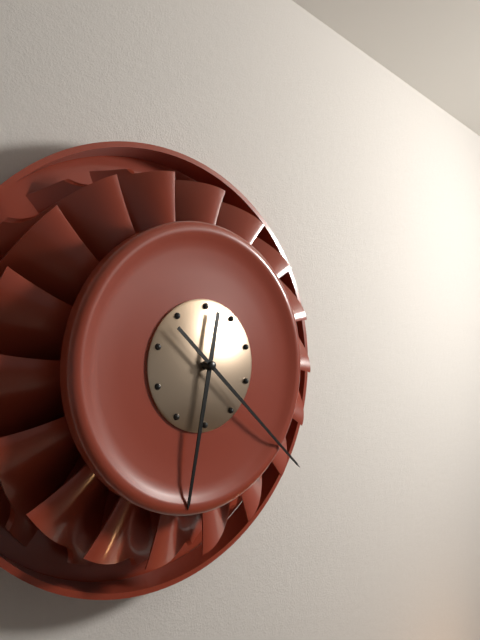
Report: {"hour": 6, "minute": 22}
